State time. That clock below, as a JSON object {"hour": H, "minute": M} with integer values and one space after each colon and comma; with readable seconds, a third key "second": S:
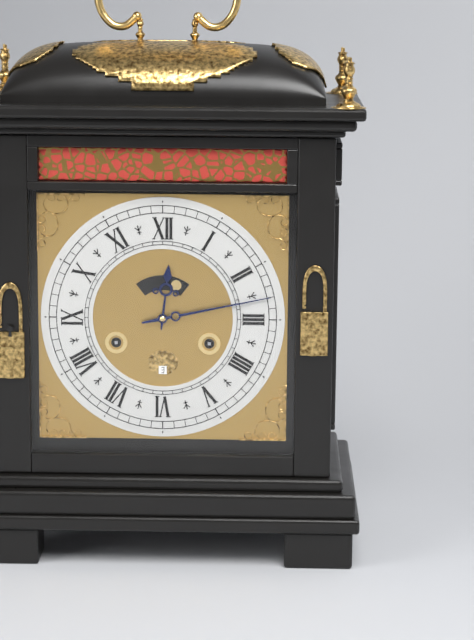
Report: {"hour": 12, "minute": 13}
